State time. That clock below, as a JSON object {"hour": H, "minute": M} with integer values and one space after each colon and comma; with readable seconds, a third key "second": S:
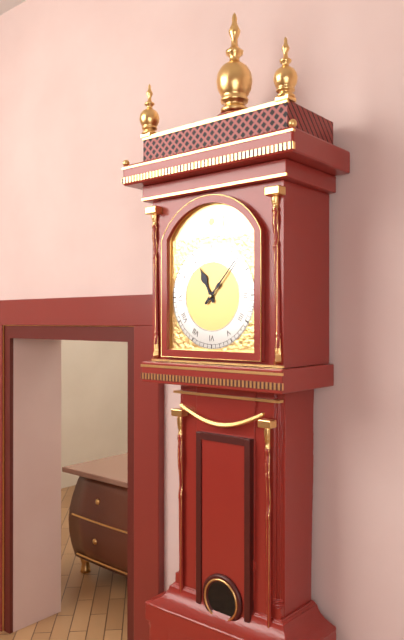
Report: {"hour": 11, "minute": 7}
